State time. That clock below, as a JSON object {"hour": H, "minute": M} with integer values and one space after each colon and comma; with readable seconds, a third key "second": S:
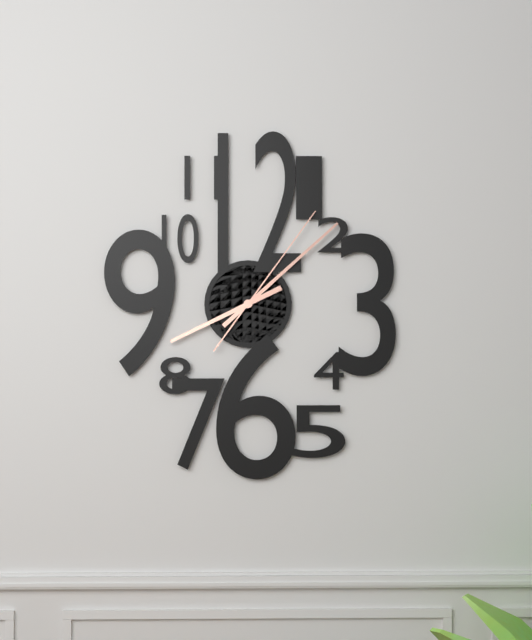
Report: {"hour": 8, "minute": 8, "second": 6}
